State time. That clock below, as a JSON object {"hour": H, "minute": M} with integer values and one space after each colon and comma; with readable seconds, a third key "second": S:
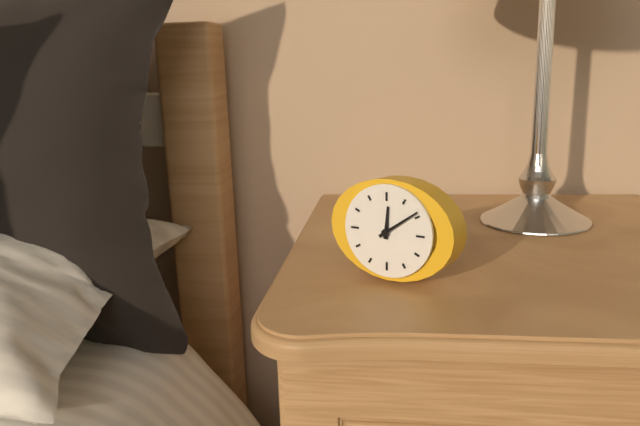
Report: {"hour": 12, "minute": 9}
